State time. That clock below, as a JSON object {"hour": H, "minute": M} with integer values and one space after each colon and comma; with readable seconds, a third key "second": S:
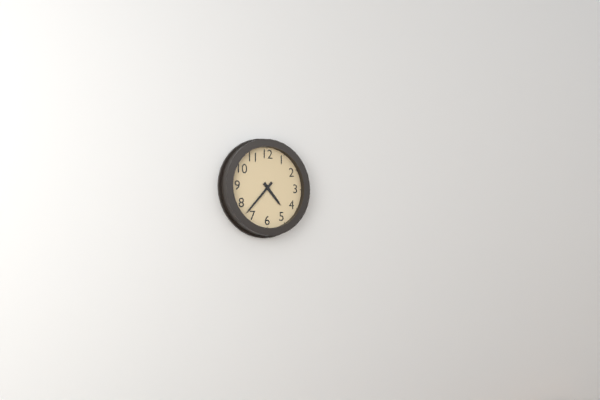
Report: {"hour": 4, "minute": 37}
